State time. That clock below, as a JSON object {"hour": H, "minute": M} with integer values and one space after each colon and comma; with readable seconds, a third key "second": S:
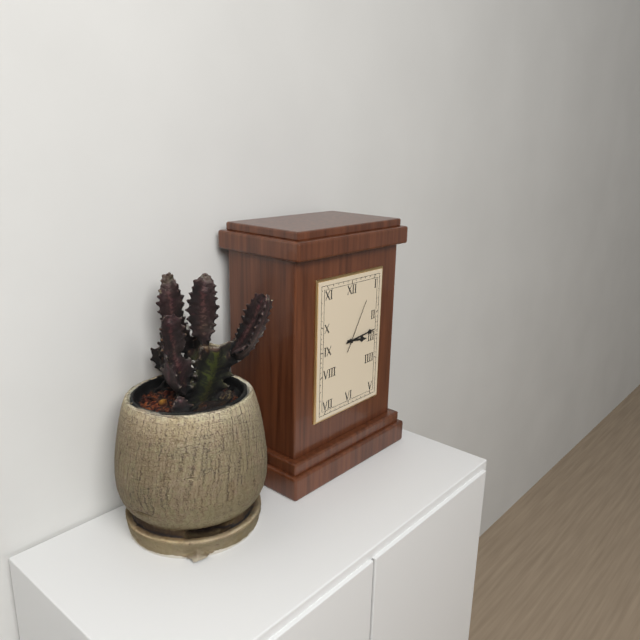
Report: {"hour": 3, "minute": 14, "second": 5}
